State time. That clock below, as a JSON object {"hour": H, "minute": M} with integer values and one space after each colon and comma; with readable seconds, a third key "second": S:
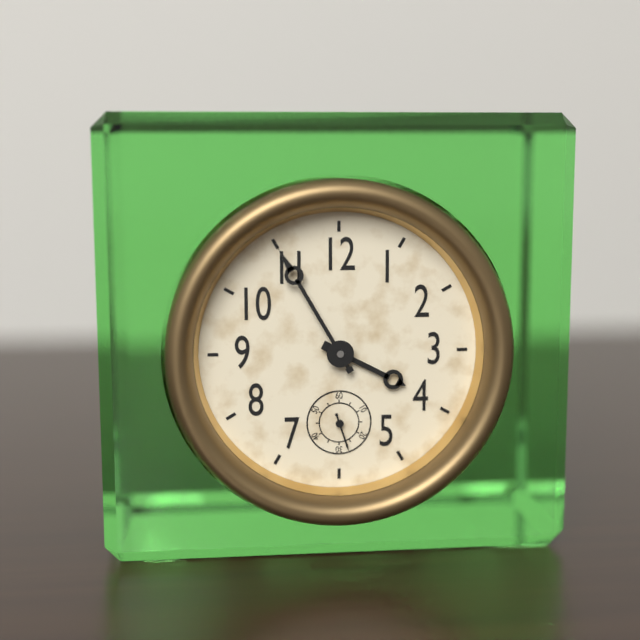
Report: {"hour": 3, "minute": 55}
